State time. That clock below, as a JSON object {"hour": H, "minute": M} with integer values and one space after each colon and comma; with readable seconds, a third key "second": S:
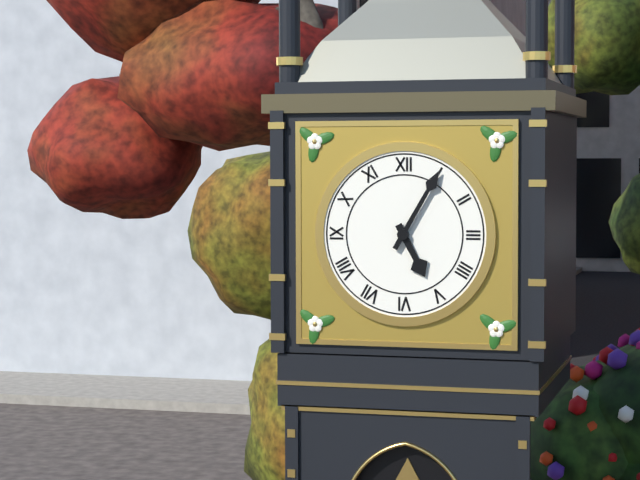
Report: {"hour": 5, "minute": 5}
